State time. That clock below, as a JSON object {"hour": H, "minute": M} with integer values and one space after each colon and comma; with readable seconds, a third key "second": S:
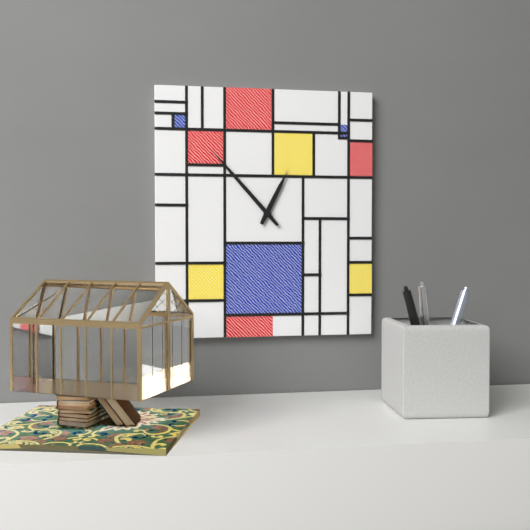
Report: {"hour": 12, "minute": 53}
